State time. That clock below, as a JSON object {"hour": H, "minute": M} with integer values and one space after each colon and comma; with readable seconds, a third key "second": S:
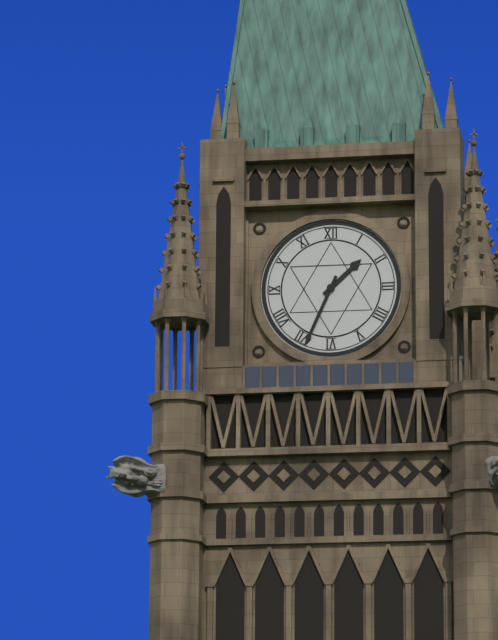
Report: {"hour": 1, "minute": 34}
